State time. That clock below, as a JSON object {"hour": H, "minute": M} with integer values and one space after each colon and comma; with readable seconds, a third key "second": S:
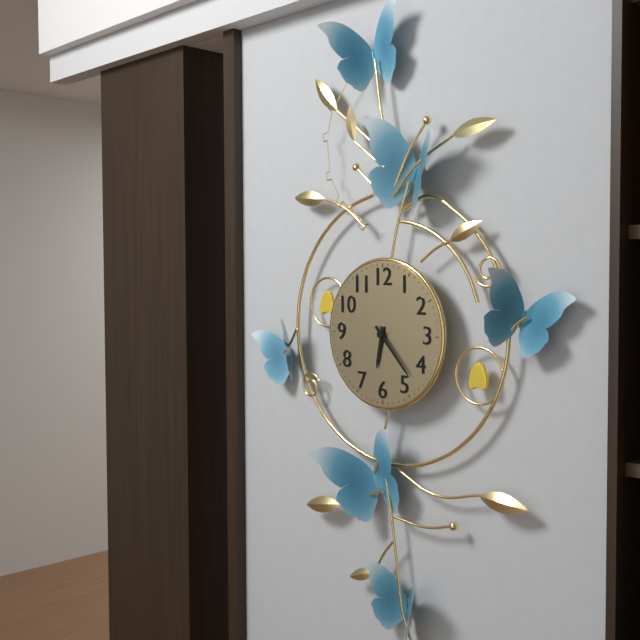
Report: {"hour": 6, "minute": 23}
